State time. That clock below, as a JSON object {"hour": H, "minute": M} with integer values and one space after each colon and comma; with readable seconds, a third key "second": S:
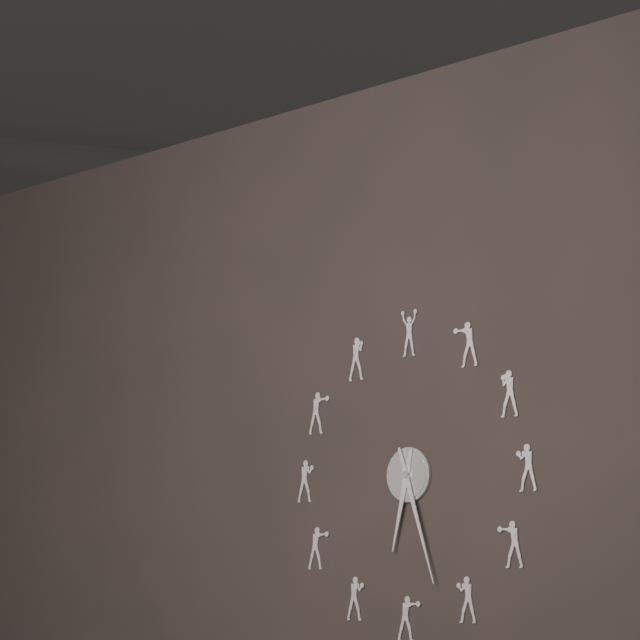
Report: {"hour": 6, "minute": 27}
